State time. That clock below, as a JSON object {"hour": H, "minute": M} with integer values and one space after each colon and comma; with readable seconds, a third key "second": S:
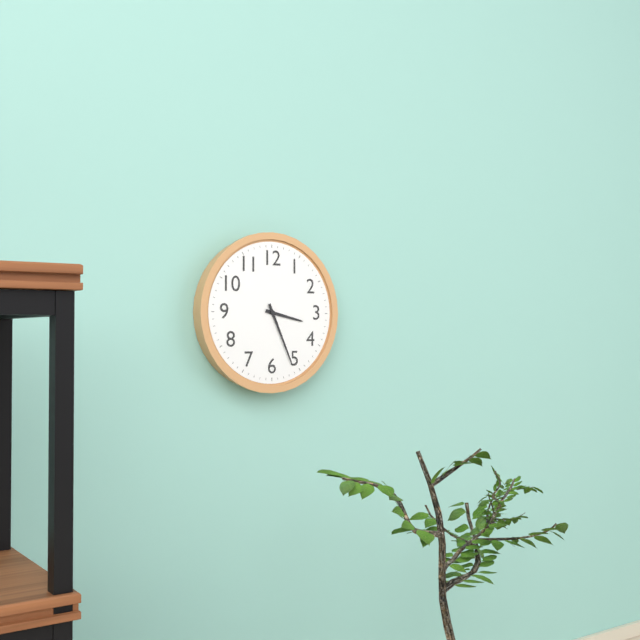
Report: {"hour": 3, "minute": 26}
